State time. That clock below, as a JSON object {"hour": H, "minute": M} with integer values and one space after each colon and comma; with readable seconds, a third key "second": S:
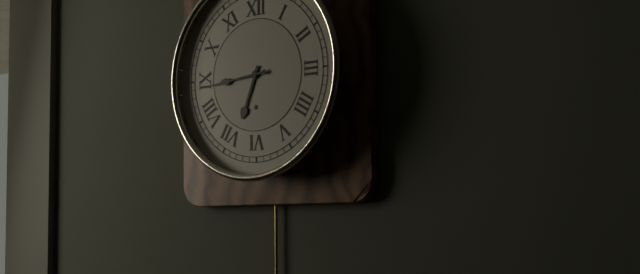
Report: {"hour": 6, "minute": 44}
